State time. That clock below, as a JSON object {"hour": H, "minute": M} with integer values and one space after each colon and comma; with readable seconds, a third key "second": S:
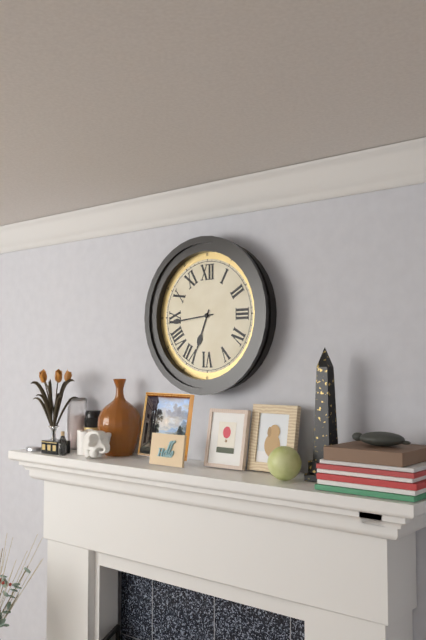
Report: {"hour": 6, "minute": 44}
